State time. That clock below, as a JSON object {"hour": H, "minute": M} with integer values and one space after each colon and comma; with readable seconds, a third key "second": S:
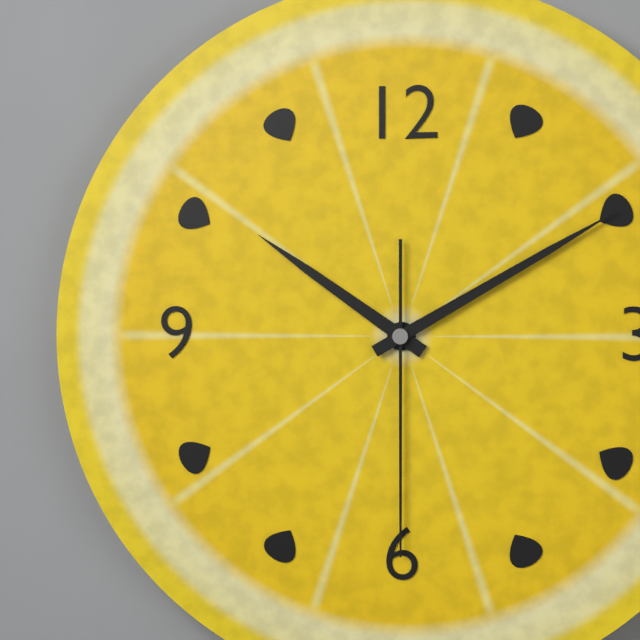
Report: {"hour": 10, "minute": 10, "second": 30}
